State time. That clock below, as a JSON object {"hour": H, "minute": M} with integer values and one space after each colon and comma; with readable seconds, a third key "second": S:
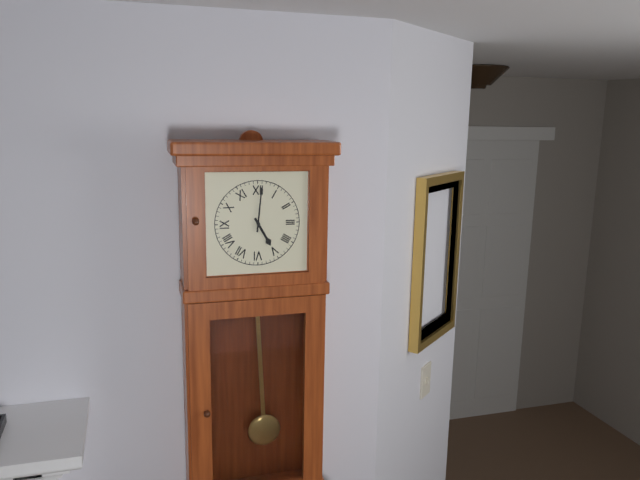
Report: {"hour": 5, "minute": 1}
